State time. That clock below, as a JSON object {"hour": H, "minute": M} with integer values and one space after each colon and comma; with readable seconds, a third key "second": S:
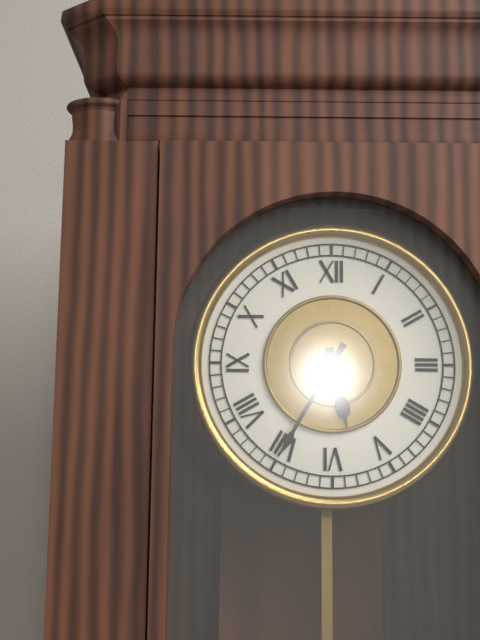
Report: {"hour": 5, "minute": 35}
